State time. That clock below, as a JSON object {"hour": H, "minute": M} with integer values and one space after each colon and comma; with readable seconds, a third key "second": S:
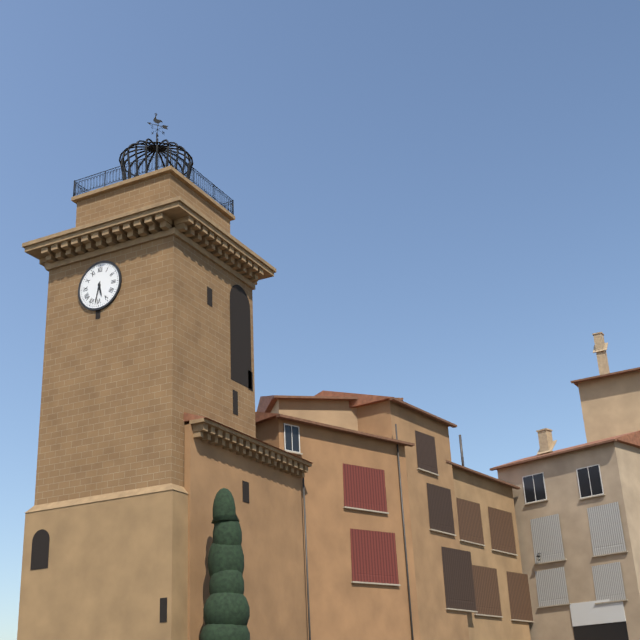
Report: {"hour": 5, "minute": 32}
